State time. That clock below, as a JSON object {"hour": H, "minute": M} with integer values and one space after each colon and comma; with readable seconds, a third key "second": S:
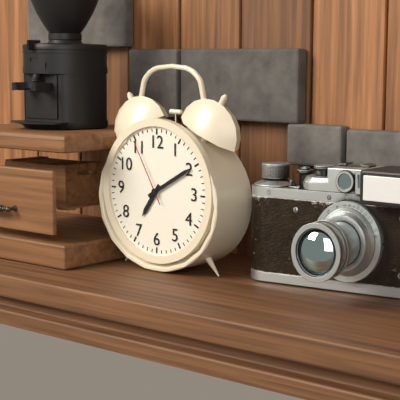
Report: {"hour": 7, "minute": 10, "second": 55}
